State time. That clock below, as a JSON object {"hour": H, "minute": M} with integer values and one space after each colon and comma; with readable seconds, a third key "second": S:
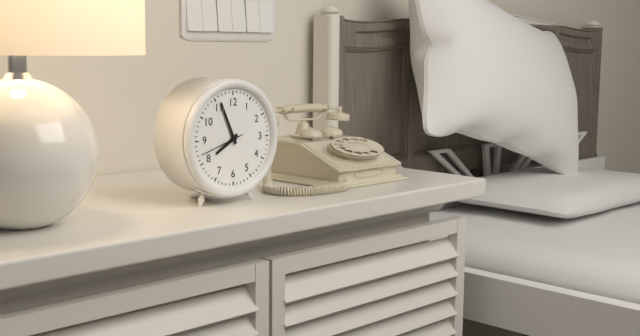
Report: {"hour": 7, "minute": 56}
